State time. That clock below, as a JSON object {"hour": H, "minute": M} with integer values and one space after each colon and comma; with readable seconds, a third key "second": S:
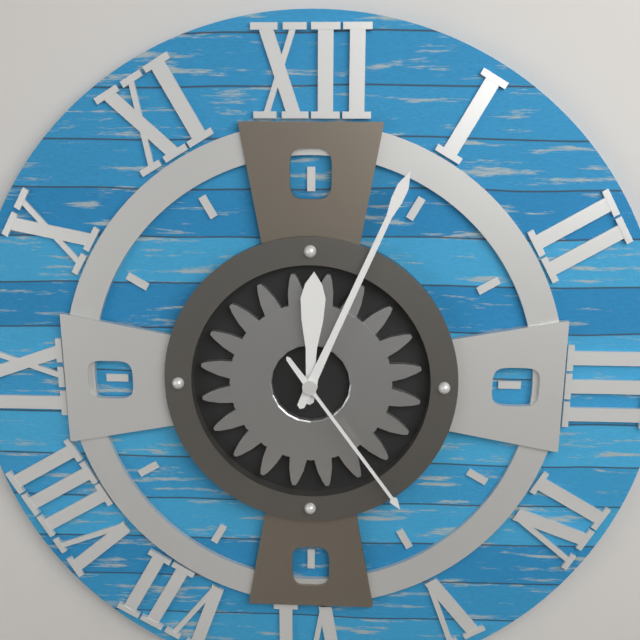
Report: {"hour": 12, "minute": 4, "second": 24}
